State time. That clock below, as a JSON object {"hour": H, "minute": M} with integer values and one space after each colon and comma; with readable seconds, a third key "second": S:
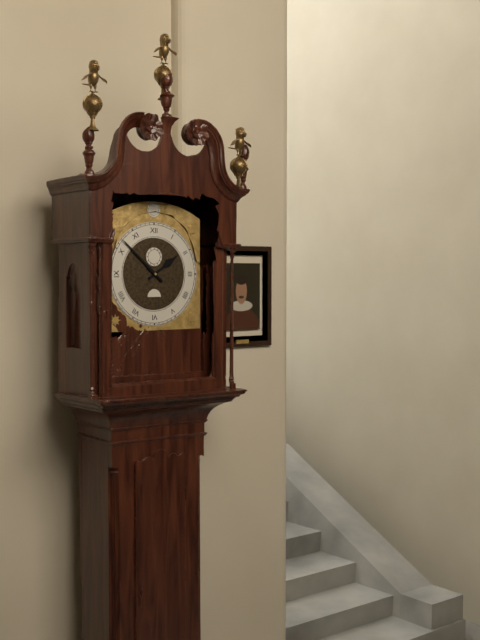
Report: {"hour": 1, "minute": 52}
